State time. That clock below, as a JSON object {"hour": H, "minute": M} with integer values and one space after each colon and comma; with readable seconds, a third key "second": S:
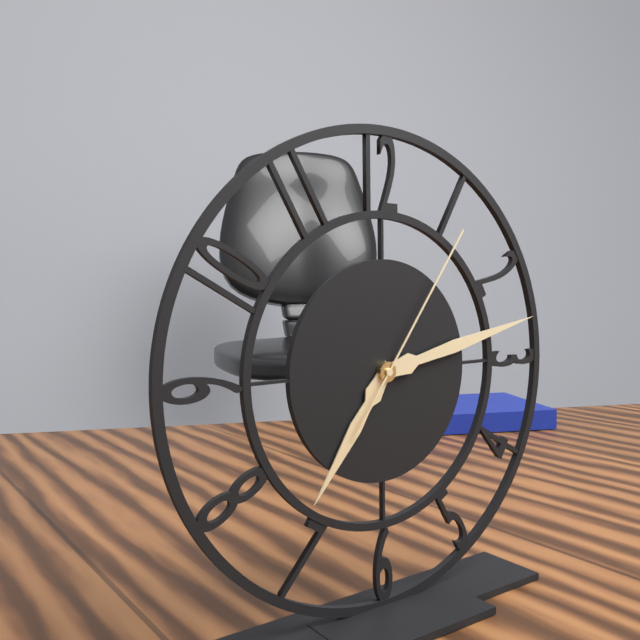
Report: {"hour": 7, "minute": 13, "second": 6}
